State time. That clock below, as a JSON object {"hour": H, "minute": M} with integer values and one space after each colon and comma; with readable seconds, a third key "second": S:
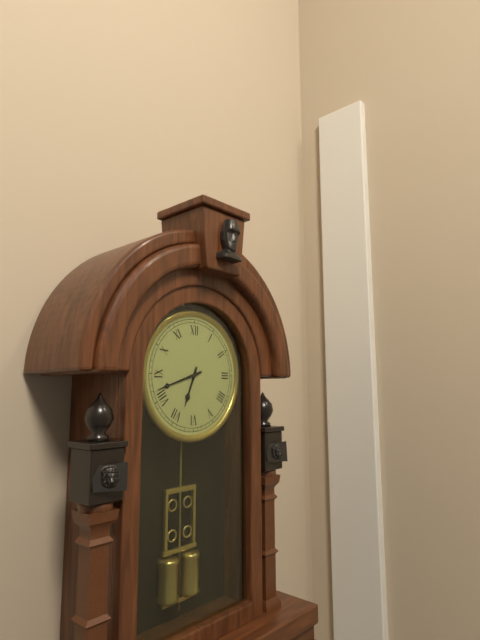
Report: {"hour": 6, "minute": 42}
